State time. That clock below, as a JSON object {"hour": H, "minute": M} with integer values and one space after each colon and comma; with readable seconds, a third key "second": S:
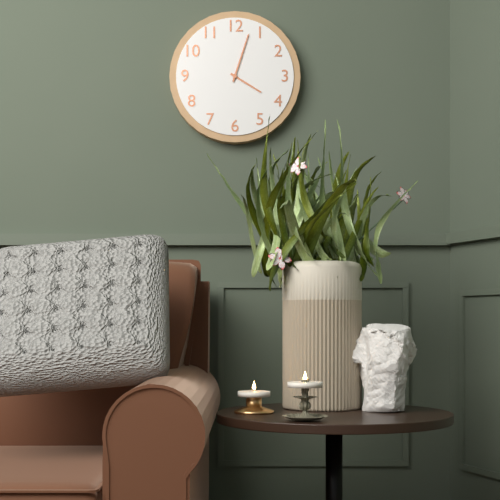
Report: {"hour": 4, "minute": 3}
